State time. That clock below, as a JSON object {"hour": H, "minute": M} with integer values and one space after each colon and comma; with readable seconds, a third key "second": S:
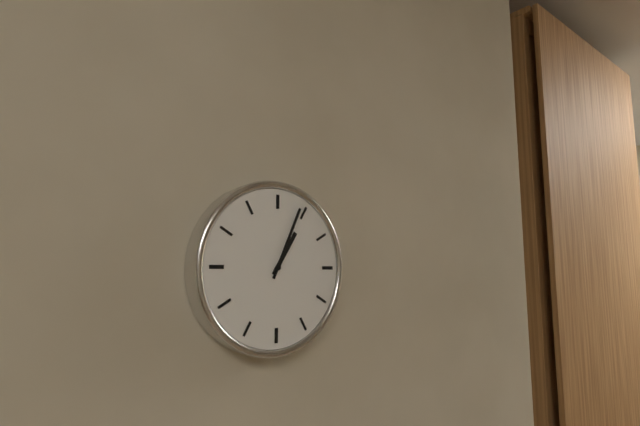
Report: {"hour": 1, "minute": 4}
